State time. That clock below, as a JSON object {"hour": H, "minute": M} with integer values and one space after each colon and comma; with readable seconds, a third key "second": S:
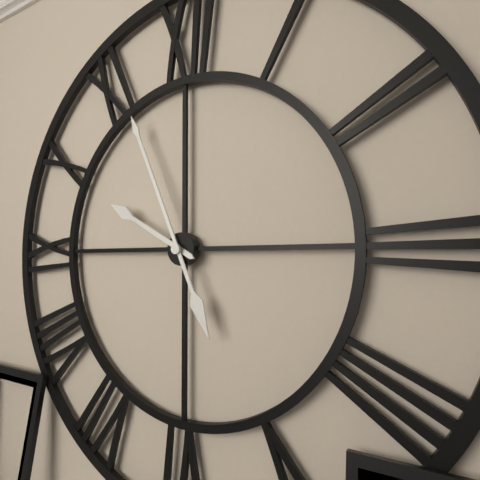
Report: {"hour": 9, "minute": 56}
